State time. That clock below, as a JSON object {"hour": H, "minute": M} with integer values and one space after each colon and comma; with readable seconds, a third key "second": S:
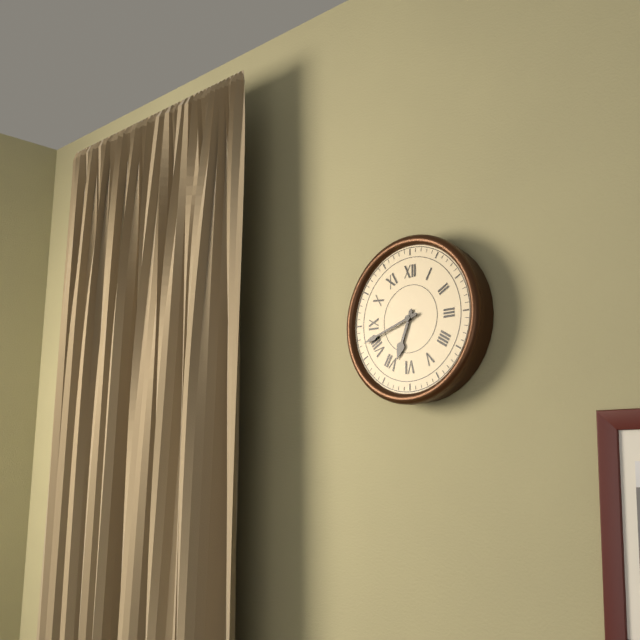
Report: {"hour": 6, "minute": 42}
